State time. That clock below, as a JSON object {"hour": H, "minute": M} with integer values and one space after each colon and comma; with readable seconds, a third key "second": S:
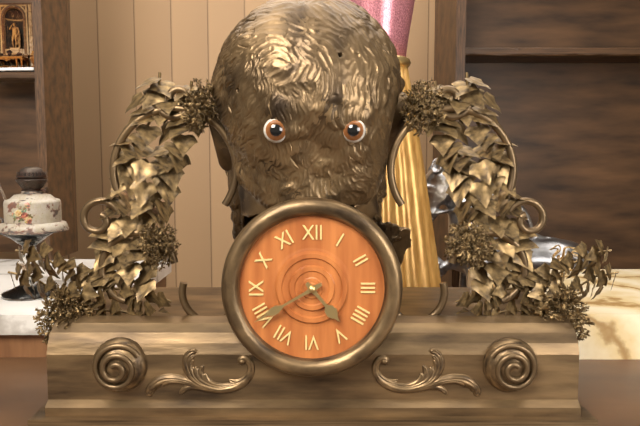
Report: {"hour": 4, "minute": 40}
